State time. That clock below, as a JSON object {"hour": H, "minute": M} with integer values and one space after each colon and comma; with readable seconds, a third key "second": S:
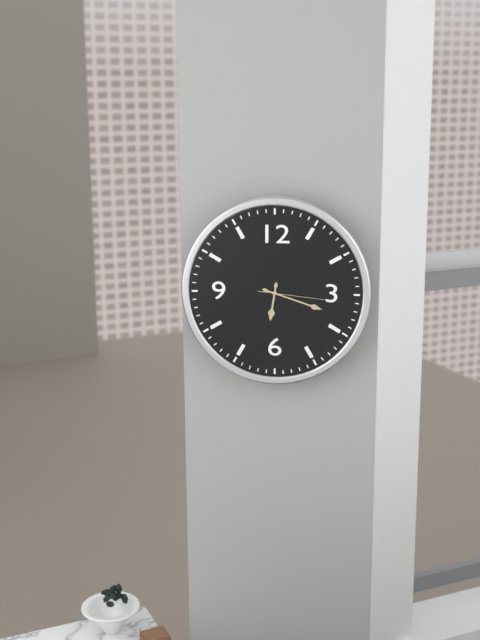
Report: {"hour": 6, "minute": 18, "second": 16}
